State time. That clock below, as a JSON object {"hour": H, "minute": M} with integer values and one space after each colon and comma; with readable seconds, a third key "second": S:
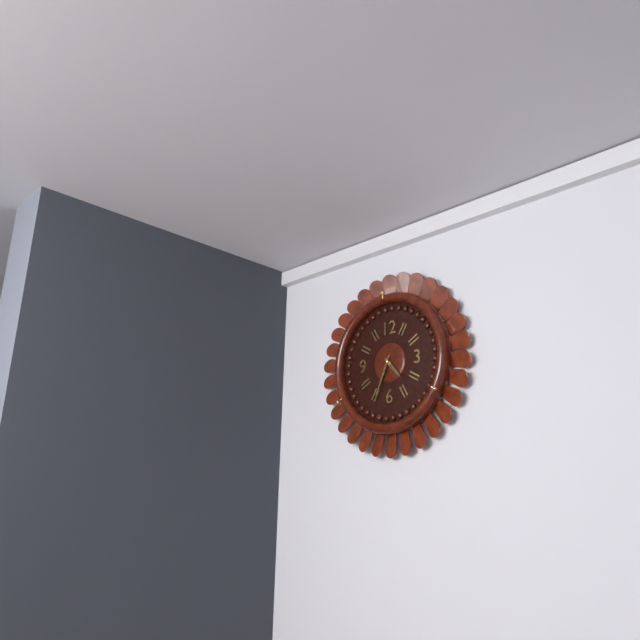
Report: {"hour": 4, "minute": 34}
